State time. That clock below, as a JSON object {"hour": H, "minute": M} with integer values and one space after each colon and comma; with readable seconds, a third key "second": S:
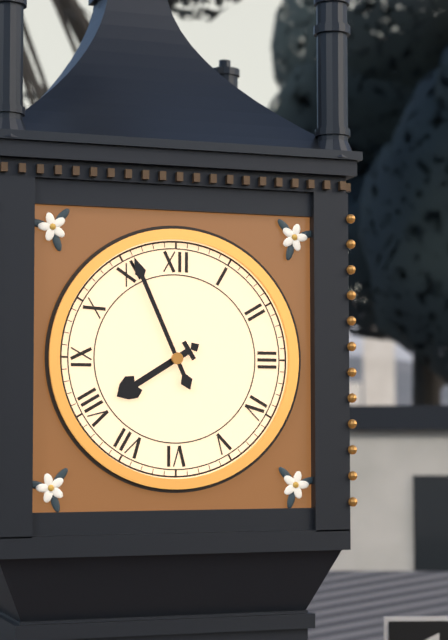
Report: {"hour": 7, "minute": 56}
